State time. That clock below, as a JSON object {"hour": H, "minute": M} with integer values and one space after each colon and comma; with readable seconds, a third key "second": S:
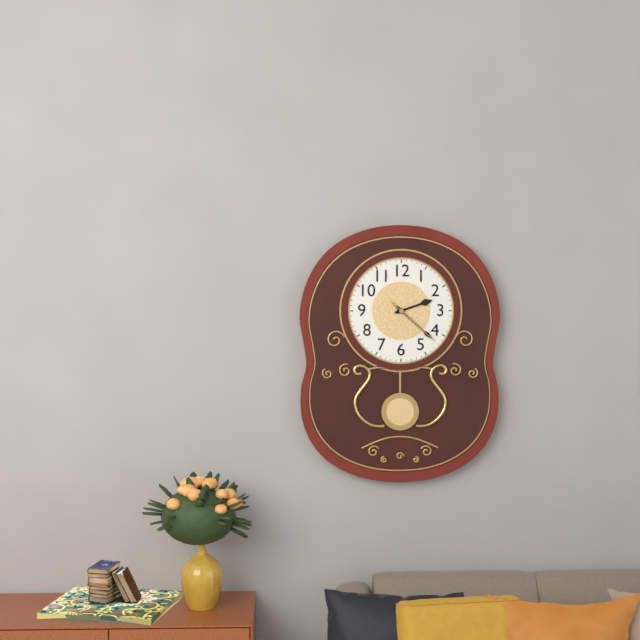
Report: {"hour": 2, "minute": 22, "second": 22}
